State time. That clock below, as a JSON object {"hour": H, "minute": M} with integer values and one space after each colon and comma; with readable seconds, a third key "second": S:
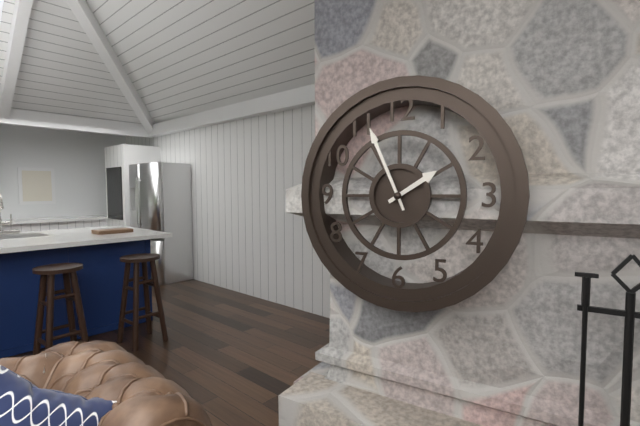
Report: {"hour": 1, "minute": 56}
